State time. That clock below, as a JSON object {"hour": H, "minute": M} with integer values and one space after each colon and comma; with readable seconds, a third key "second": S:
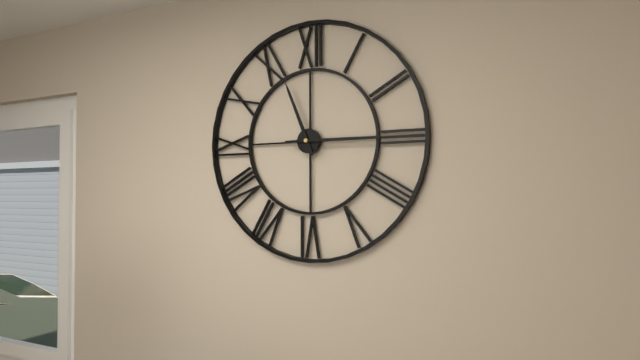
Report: {"hour": 11, "minute": 15}
